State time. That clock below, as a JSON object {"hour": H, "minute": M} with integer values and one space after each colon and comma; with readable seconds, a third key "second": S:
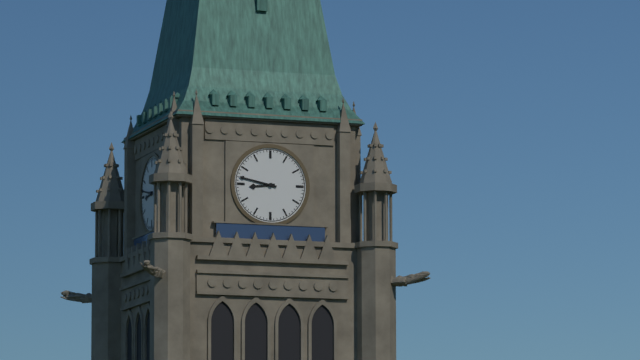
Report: {"hour": 8, "minute": 47}
